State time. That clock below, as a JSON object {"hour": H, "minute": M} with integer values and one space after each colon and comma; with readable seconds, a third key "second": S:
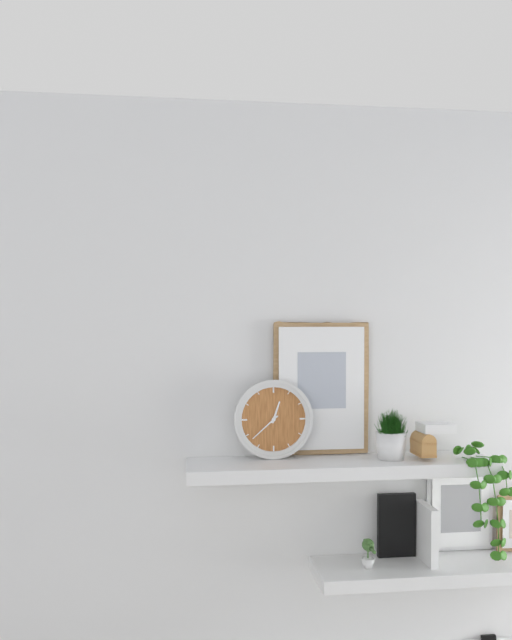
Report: {"hour": 12, "minute": 38}
